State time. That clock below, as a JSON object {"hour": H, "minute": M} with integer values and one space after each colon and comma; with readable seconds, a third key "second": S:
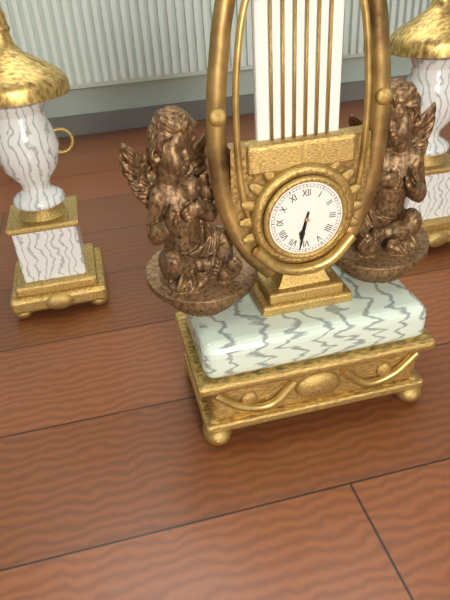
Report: {"hour": 6, "minute": 32}
